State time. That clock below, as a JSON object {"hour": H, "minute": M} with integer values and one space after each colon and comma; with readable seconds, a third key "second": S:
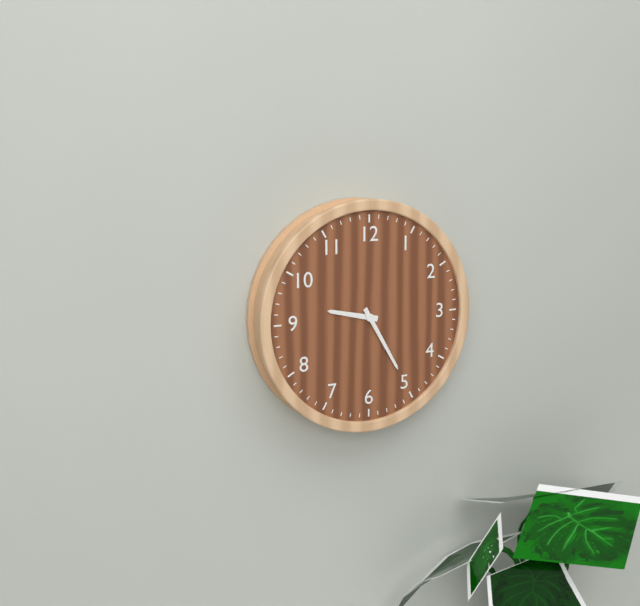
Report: {"hour": 9, "minute": 25}
